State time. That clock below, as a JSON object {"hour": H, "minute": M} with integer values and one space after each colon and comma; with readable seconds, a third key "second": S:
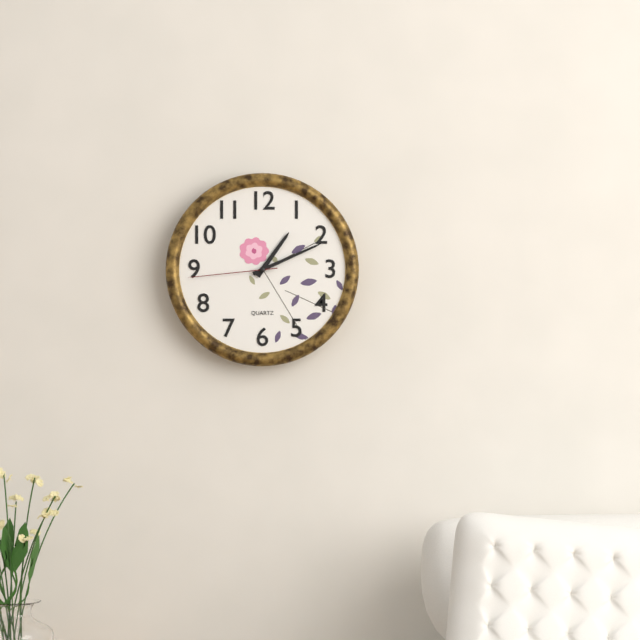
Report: {"hour": 1, "minute": 11, "second": 44}
